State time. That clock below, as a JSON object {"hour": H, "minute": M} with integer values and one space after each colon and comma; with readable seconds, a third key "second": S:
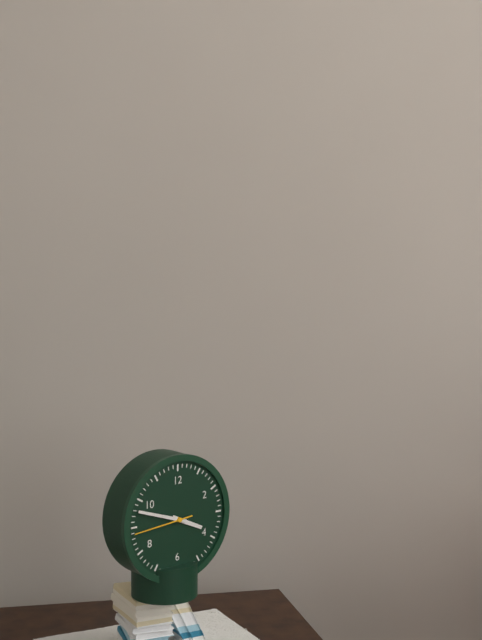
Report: {"hour": 3, "minute": 48, "second": 44}
